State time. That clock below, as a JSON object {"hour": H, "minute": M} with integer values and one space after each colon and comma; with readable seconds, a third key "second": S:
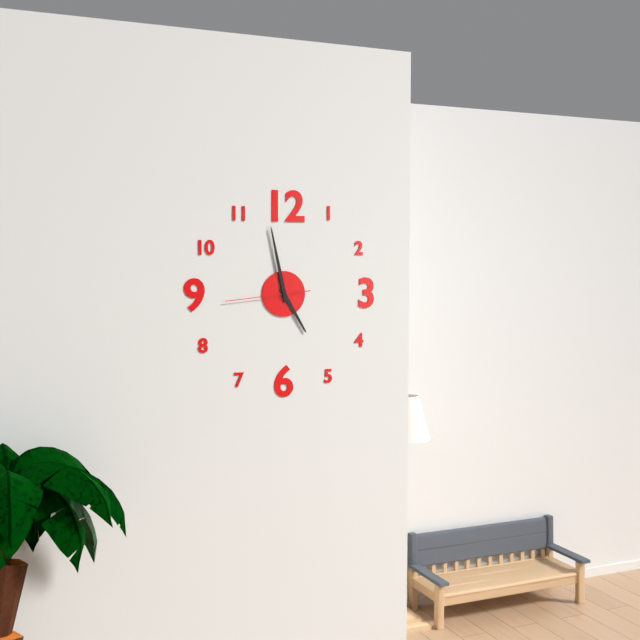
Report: {"hour": 4, "minute": 58, "second": 44}
